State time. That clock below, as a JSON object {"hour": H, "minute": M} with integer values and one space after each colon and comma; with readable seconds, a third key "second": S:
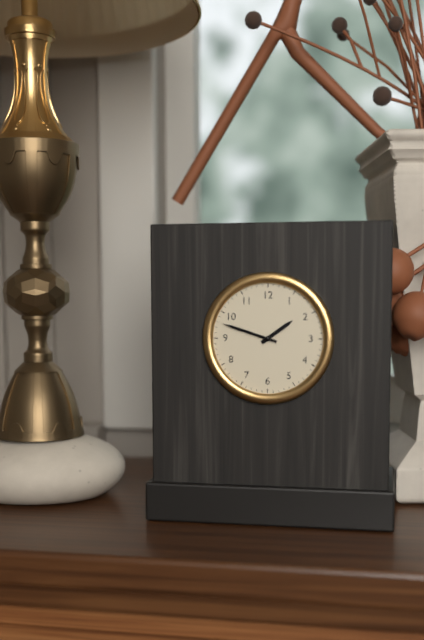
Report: {"hour": 1, "minute": 48}
